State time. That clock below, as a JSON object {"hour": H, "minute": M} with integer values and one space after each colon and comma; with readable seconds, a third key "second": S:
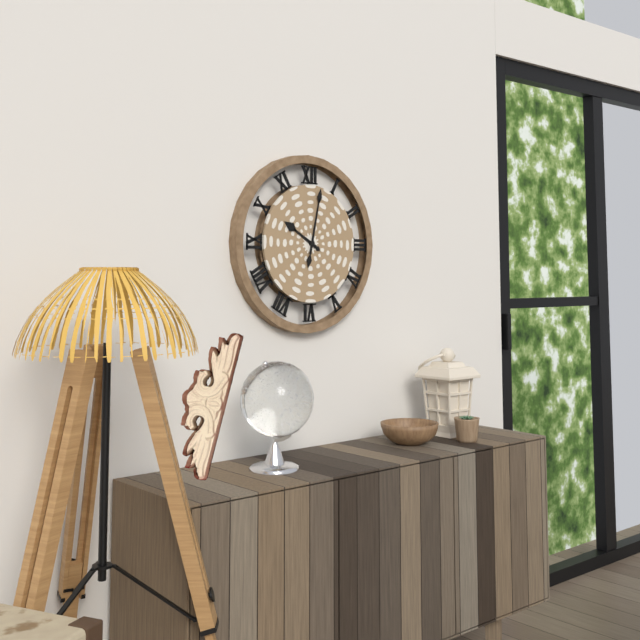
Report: {"hour": 10, "minute": 2}
